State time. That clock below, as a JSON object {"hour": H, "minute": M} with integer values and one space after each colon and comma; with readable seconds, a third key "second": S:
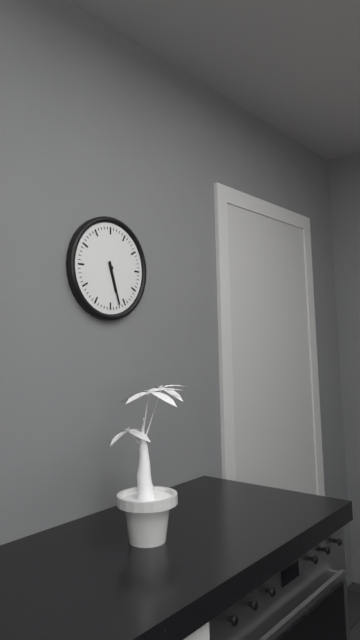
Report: {"hour": 5, "minute": 27}
